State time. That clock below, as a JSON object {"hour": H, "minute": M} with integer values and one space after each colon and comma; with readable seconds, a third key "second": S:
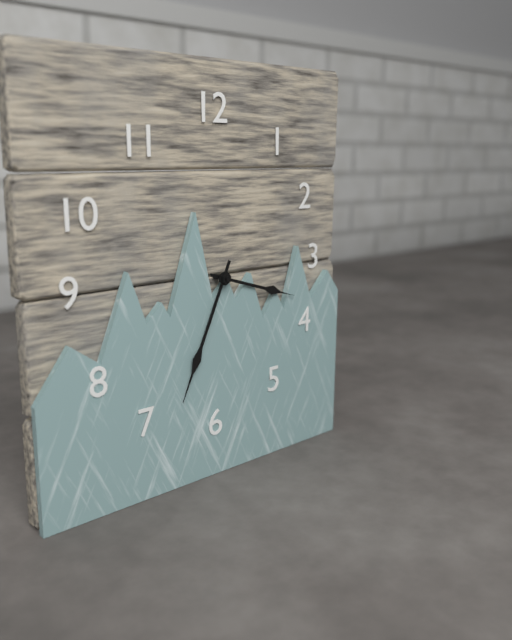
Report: {"hour": 3, "minute": 34}
